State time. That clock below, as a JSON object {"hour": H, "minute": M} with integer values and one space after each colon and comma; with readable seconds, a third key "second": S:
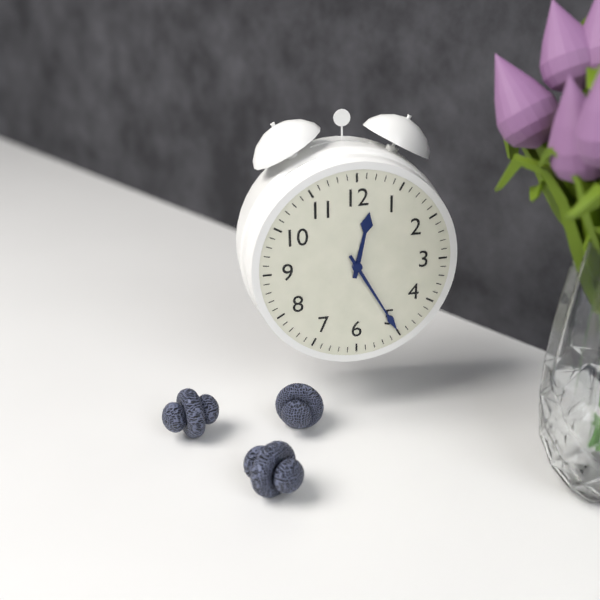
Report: {"hour": 12, "minute": 25}
